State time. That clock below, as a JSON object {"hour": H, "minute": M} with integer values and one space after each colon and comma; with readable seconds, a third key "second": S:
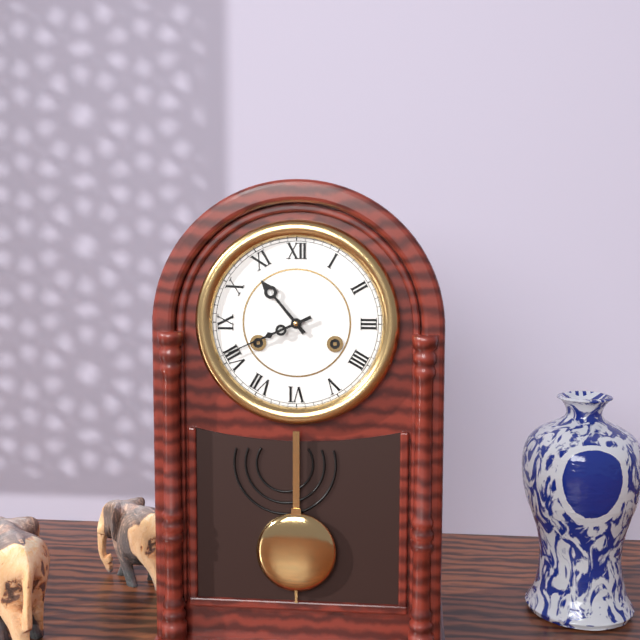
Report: {"hour": 10, "minute": 41}
